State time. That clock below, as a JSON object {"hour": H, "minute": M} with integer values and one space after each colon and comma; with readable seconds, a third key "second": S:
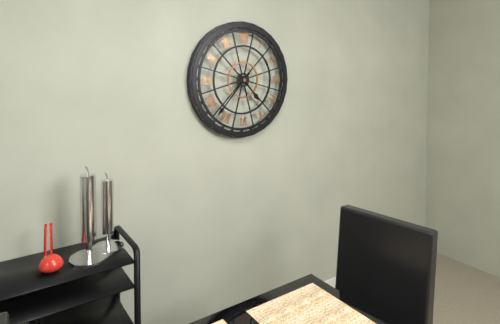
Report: {"hour": 4, "minute": 37}
